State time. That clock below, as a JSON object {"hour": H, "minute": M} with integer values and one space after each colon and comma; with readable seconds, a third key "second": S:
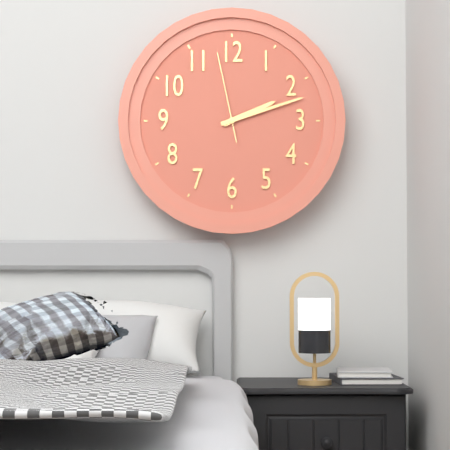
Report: {"hour": 2, "minute": 12, "second": 58}
